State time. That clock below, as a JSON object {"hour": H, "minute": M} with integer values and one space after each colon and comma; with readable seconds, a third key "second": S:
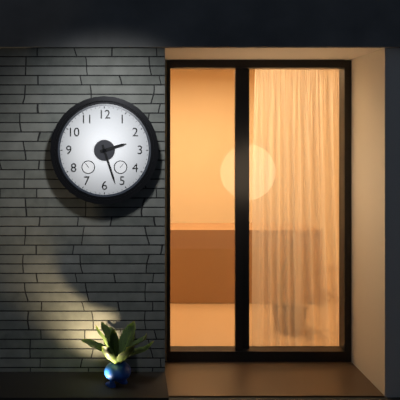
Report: {"hour": 2, "minute": 27}
